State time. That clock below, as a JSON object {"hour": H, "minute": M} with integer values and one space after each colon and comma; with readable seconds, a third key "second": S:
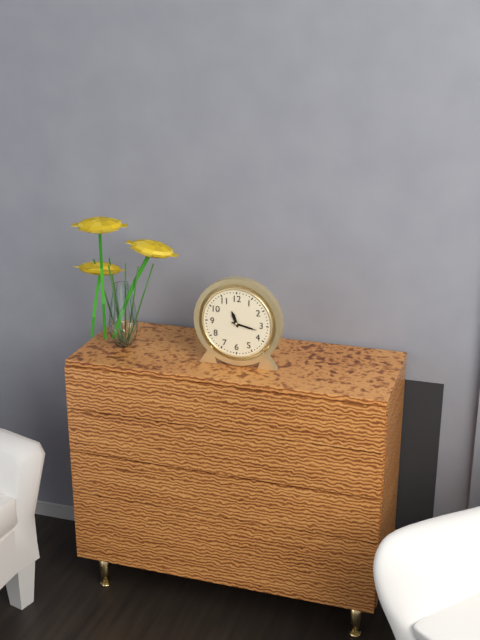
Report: {"hour": 11, "minute": 17}
